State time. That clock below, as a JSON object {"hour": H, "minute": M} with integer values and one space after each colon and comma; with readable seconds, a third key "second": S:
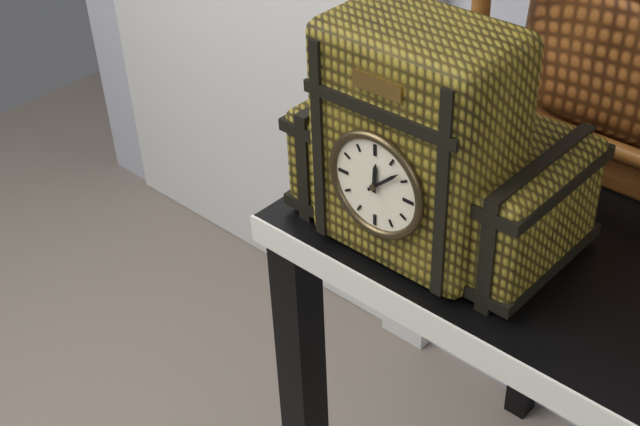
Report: {"hour": 12, "minute": 8}
